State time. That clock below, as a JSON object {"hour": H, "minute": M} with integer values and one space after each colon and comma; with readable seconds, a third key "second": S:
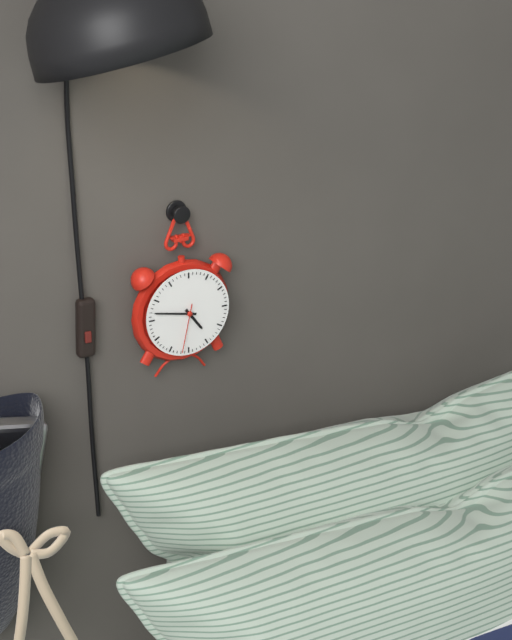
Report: {"hour": 4, "minute": 47, "second": 32}
